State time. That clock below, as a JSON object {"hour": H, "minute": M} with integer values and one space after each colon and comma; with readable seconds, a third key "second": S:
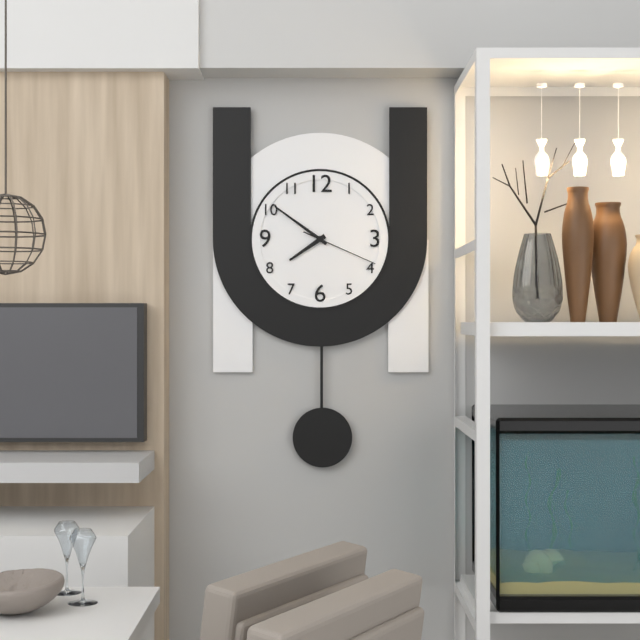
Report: {"hour": 7, "minute": 51, "second": 19}
